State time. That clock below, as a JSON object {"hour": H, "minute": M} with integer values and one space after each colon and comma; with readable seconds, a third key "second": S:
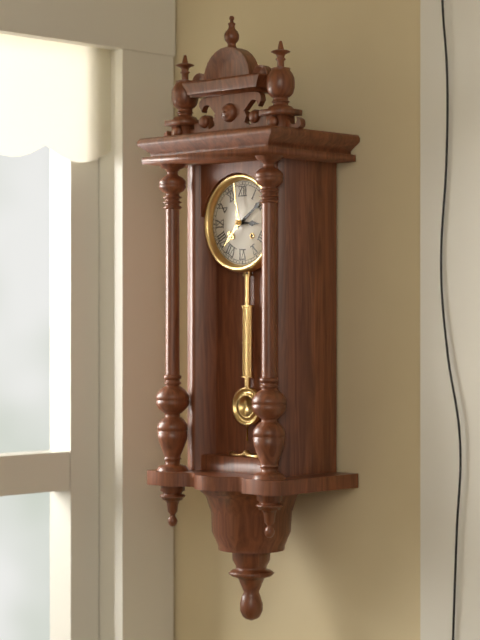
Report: {"hour": 3, "minute": 9}
